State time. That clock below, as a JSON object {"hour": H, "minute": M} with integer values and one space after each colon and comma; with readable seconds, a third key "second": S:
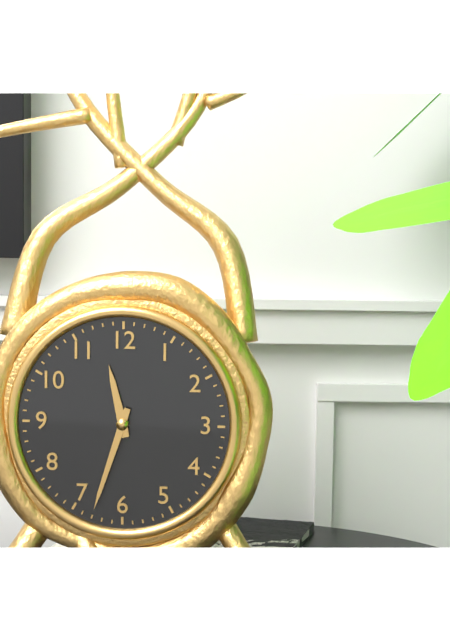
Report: {"hour": 11, "minute": 33}
